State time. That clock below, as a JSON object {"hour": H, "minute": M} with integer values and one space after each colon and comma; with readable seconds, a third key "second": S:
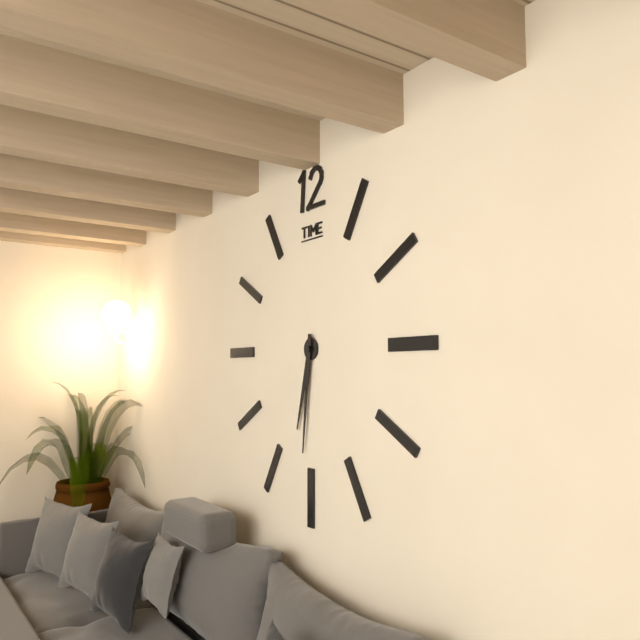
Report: {"hour": 6, "minute": 31}
